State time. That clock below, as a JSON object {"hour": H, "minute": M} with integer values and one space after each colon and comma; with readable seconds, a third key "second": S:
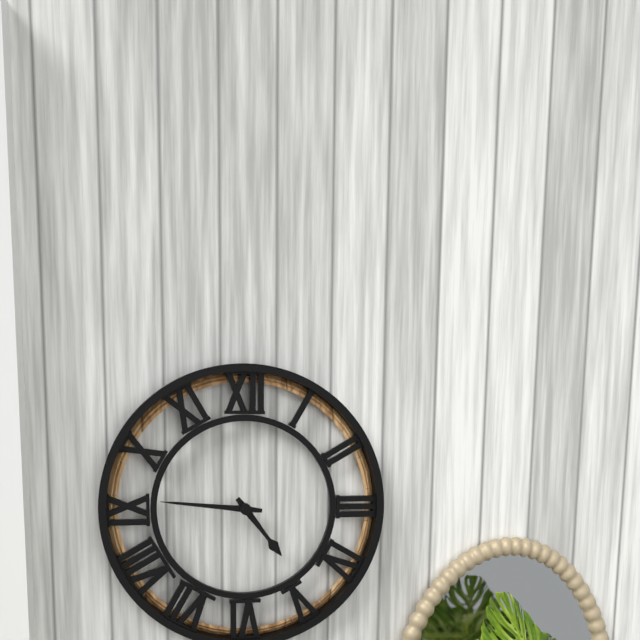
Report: {"hour": 4, "minute": 46}
